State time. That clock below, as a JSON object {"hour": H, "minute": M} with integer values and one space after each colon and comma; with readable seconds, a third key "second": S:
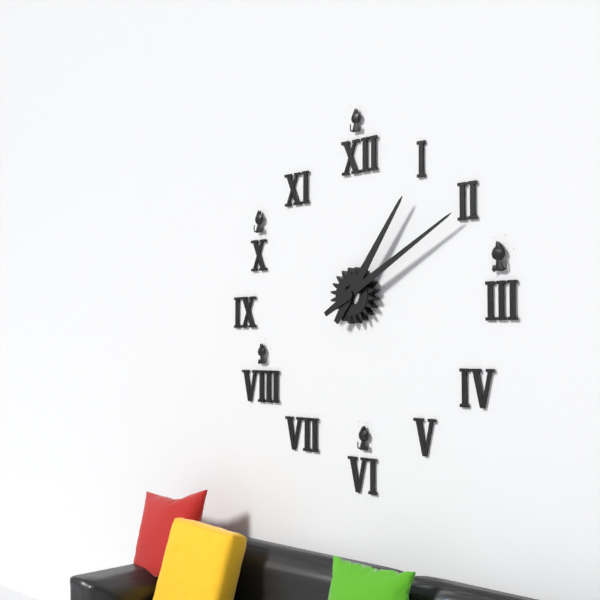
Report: {"hour": 1, "minute": 10}
